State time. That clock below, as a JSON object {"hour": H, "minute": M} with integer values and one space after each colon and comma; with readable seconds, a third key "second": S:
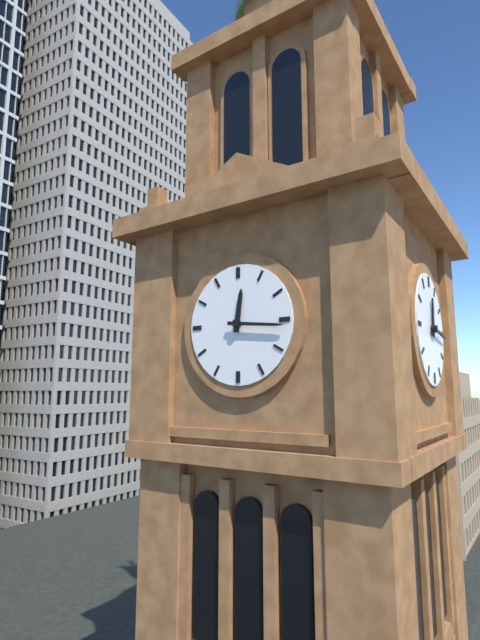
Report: {"hour": 12, "minute": 16}
